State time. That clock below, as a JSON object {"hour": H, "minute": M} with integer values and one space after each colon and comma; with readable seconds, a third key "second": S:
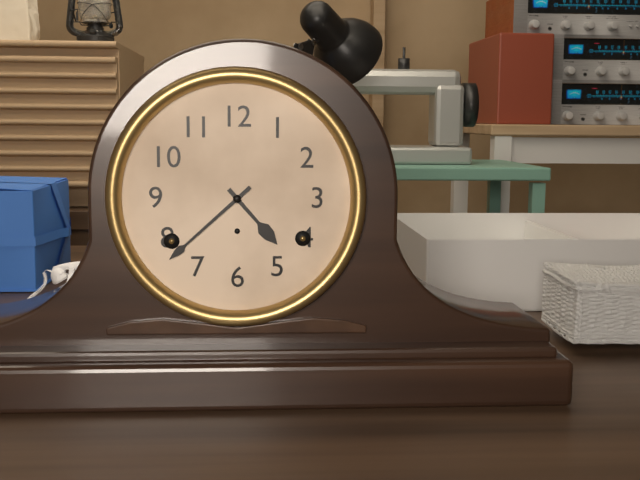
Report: {"hour": 4, "minute": 38}
